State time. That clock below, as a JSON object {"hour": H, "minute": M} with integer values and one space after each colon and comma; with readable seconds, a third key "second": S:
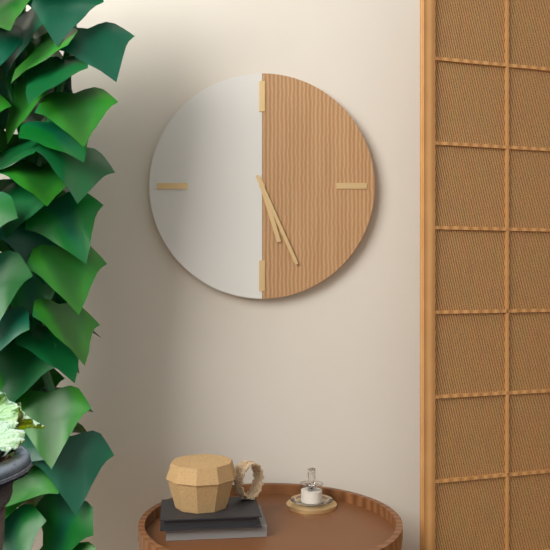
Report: {"hour": 5, "minute": 26}
